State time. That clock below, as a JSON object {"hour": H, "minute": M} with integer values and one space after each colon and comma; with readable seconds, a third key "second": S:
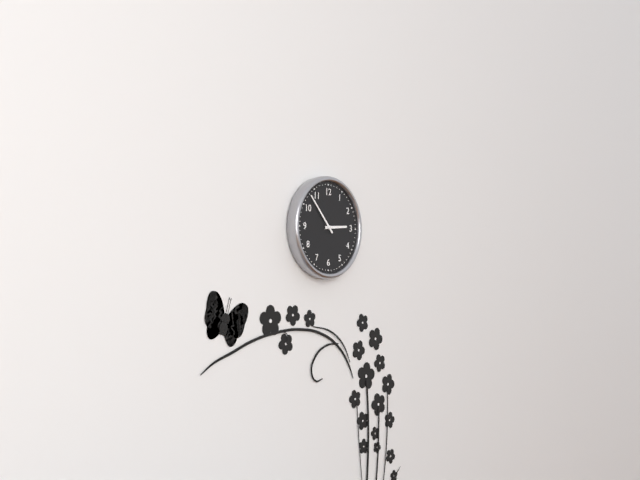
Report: {"hour": 2, "minute": 53}
